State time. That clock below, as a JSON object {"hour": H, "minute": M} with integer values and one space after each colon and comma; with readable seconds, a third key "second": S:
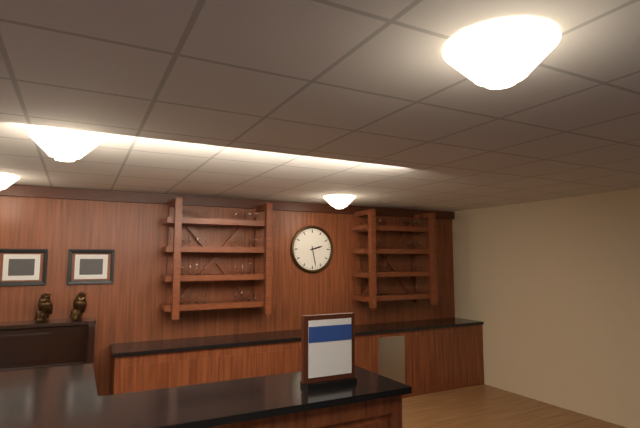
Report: {"hour": 2, "minute": 28}
